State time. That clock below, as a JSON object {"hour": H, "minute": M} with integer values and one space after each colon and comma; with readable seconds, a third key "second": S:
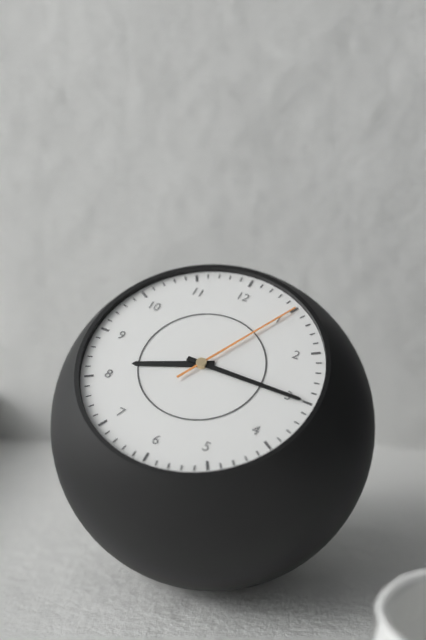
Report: {"hour": 8, "minute": 15, "second": 5}
